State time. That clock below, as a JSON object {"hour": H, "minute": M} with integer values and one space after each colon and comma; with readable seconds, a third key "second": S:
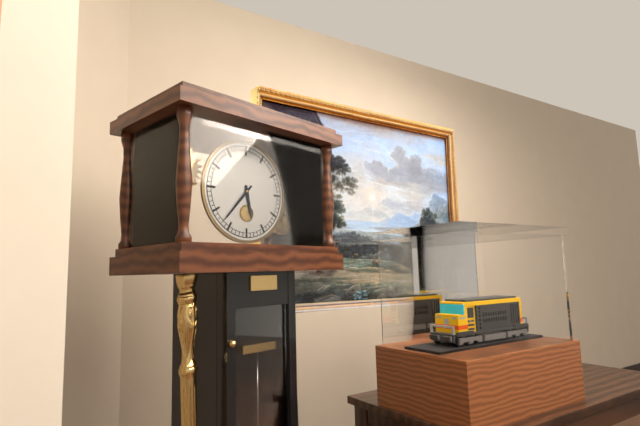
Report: {"hour": 5, "minute": 37}
